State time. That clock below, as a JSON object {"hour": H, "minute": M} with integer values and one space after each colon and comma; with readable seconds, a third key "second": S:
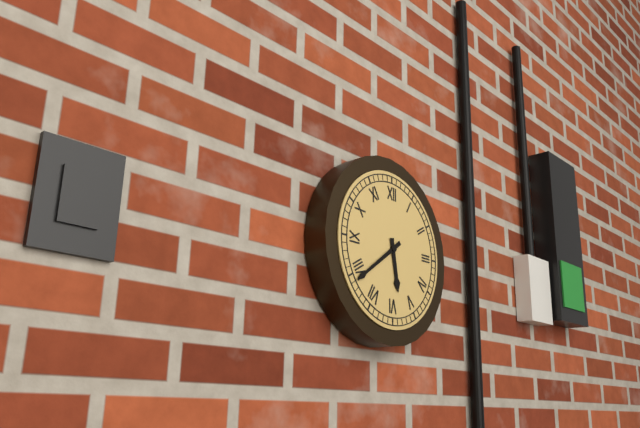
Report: {"hour": 5, "minute": 39}
